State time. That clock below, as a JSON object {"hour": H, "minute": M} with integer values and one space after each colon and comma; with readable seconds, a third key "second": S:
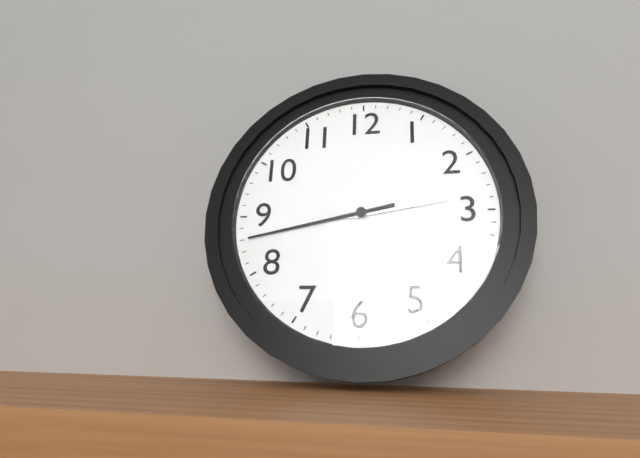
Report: {"hour": 2, "minute": 43}
